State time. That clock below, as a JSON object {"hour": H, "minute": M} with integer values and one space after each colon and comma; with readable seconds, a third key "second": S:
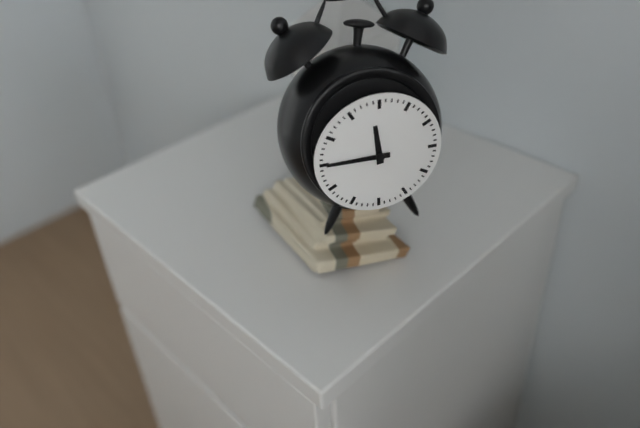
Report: {"hour": 11, "minute": 45}
